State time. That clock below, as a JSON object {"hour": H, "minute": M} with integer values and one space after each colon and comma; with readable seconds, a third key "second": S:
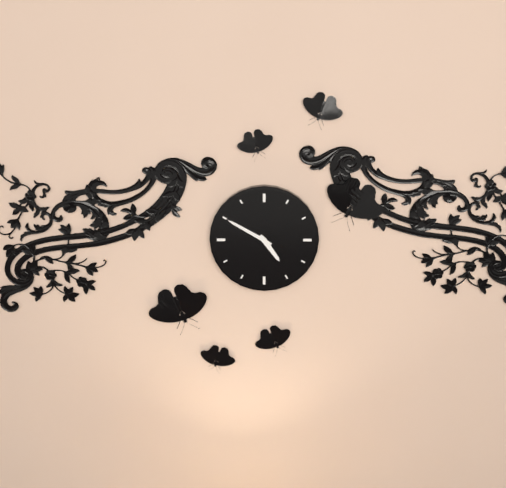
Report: {"hour": 4, "minute": 50}
